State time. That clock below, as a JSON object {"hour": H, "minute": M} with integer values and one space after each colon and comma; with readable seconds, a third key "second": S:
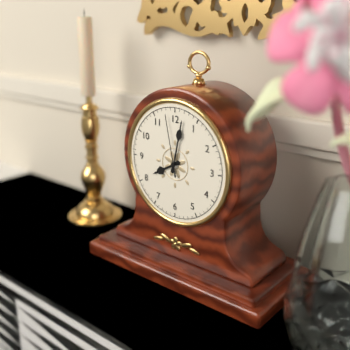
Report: {"hour": 8, "minute": 2, "second": 58}
